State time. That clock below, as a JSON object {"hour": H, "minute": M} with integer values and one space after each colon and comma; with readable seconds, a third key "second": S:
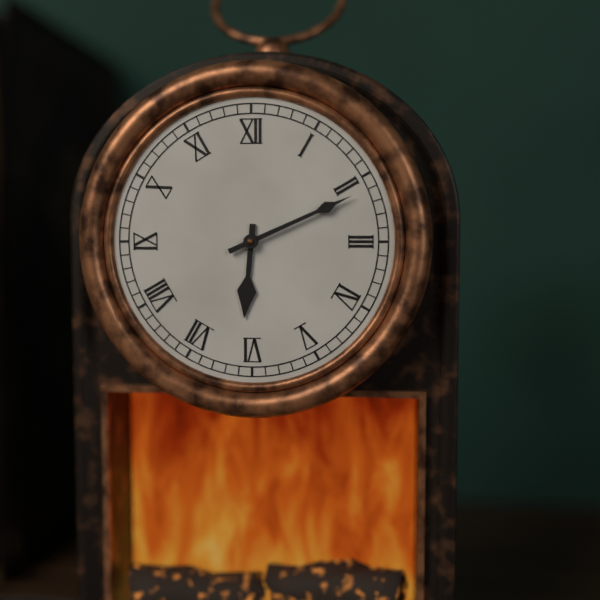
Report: {"hour": 6, "minute": 11}
